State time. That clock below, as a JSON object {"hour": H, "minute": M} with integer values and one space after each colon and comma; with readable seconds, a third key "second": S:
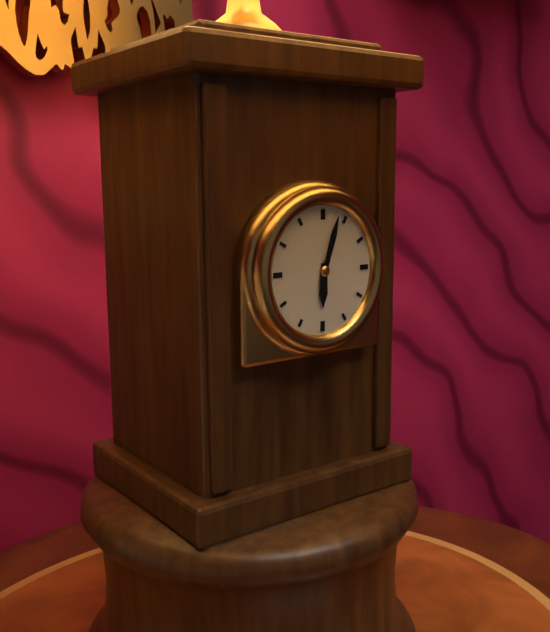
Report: {"hour": 6, "minute": 3}
